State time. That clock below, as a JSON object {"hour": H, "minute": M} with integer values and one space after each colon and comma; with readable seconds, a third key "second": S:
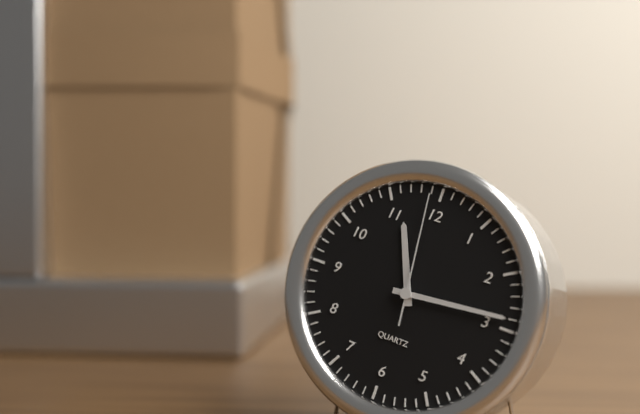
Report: {"hour": 11, "minute": 14, "second": 59}
